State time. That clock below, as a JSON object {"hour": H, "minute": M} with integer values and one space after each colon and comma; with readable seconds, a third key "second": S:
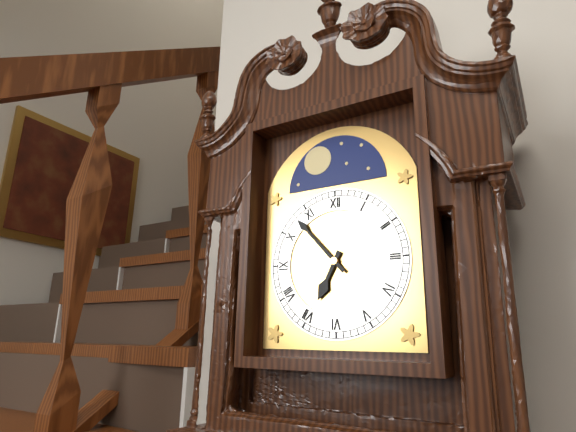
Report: {"hour": 6, "minute": 53}
